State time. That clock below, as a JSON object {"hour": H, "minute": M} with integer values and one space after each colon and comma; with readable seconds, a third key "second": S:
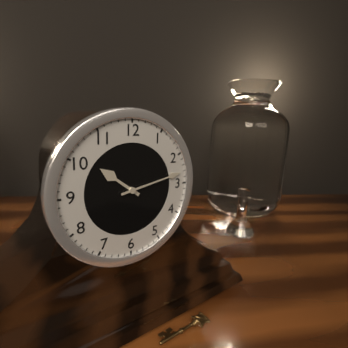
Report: {"hour": 10, "minute": 13}
